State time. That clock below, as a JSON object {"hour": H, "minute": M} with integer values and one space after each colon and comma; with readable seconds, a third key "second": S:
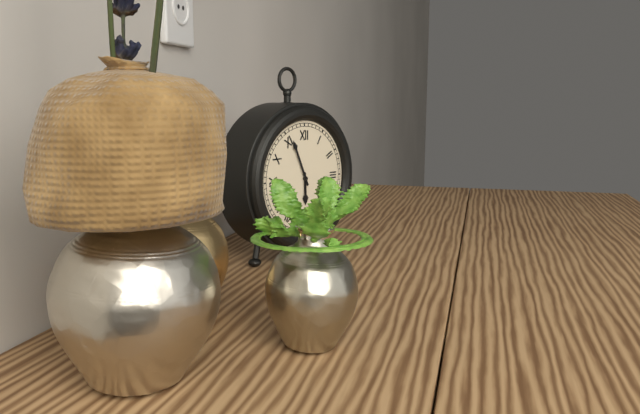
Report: {"hour": 5, "minute": 56}
